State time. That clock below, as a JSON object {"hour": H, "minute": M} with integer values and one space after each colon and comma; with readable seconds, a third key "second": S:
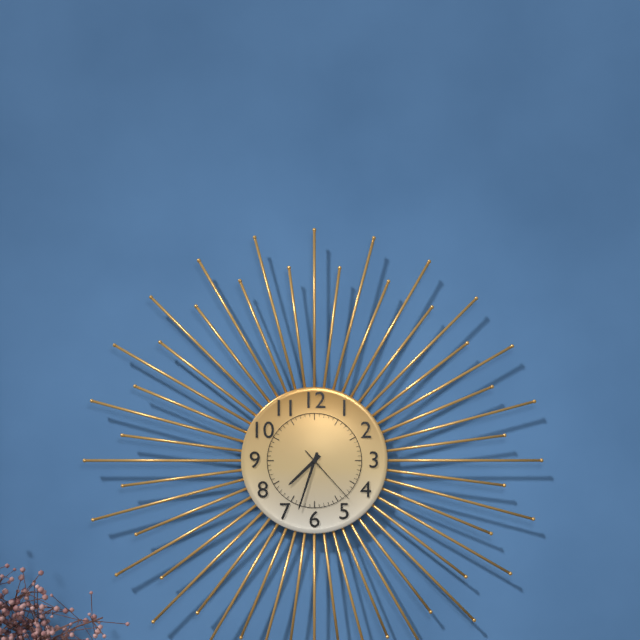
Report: {"hour": 7, "minute": 33, "second": 23}
